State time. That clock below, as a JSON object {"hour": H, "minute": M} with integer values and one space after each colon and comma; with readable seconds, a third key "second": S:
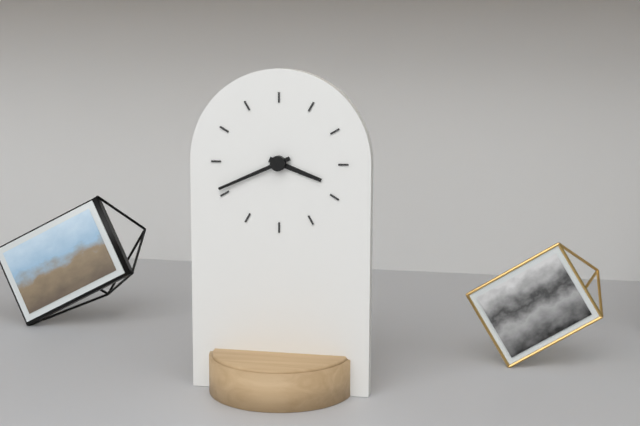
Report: {"hour": 3, "minute": 41}
